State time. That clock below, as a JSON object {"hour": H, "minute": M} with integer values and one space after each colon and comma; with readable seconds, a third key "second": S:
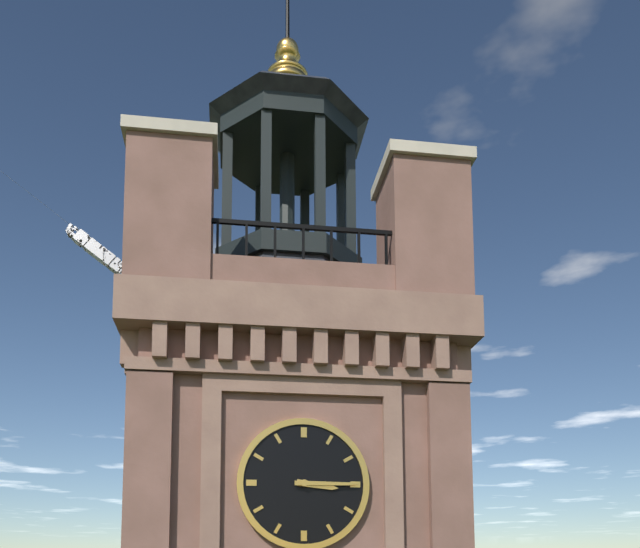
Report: {"hour": 3, "minute": 15}
